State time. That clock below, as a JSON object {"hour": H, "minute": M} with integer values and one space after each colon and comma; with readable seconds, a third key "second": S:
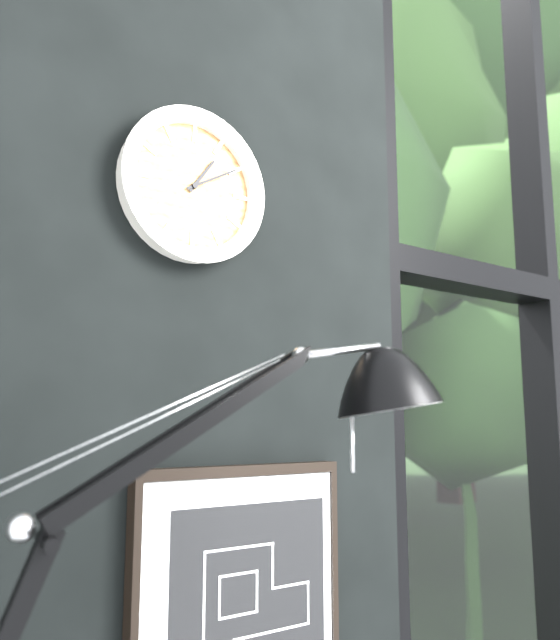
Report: {"hour": 1, "minute": 10}
